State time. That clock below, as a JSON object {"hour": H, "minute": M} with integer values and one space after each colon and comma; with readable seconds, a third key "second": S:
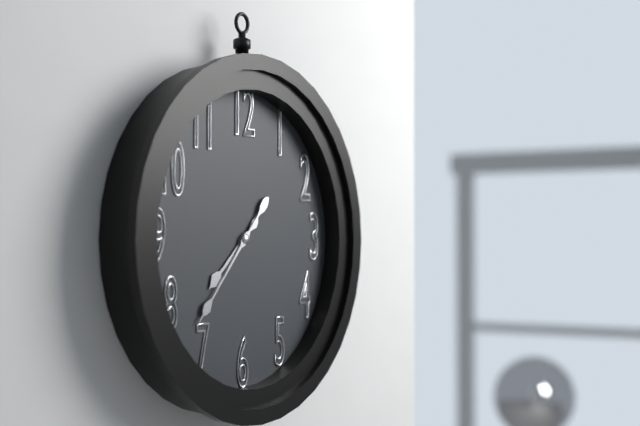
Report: {"hour": 7, "minute": 37}
